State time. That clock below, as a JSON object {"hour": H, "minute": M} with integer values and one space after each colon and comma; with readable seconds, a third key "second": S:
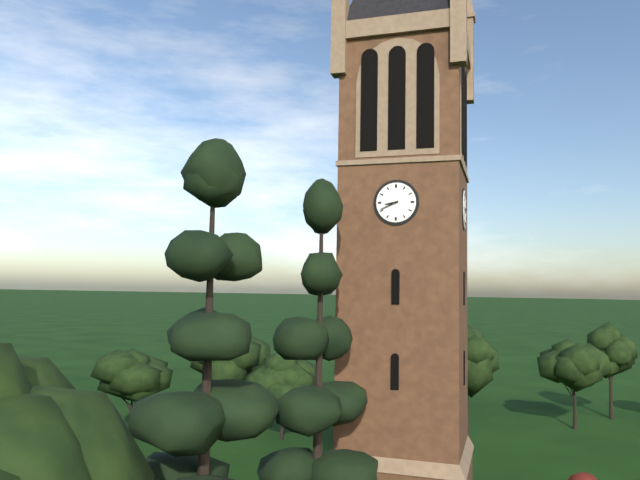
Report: {"hour": 8, "minute": 41}
